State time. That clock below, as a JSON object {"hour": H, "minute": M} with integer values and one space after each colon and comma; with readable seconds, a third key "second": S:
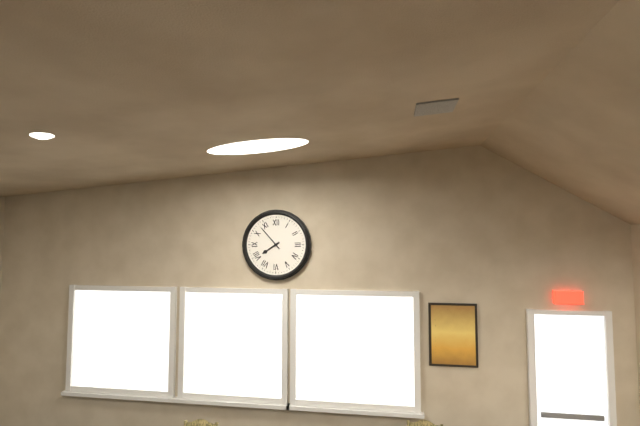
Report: {"hour": 7, "minute": 53}
